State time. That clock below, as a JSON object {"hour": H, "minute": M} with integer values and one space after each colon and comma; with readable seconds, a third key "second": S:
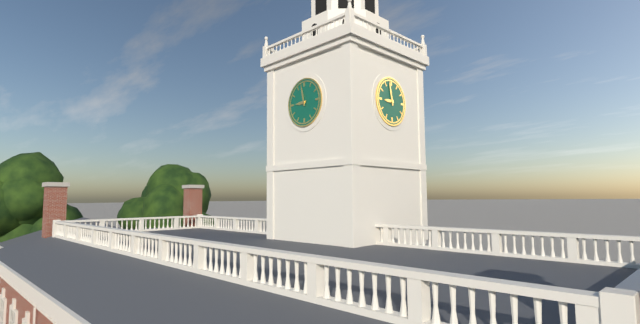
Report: {"hour": 8, "minute": 58}
